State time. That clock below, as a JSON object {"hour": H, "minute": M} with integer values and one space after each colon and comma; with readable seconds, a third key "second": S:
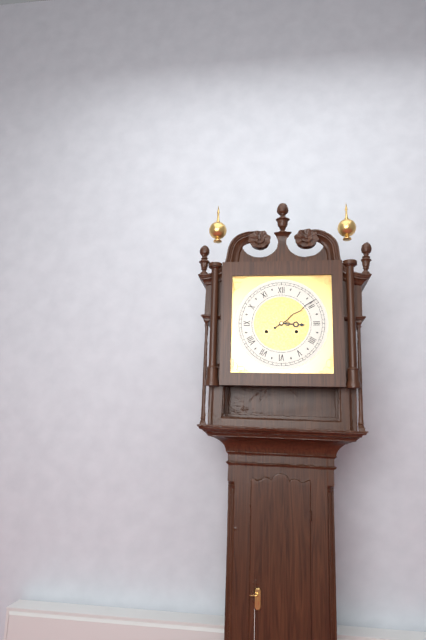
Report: {"hour": 3, "minute": 9}
